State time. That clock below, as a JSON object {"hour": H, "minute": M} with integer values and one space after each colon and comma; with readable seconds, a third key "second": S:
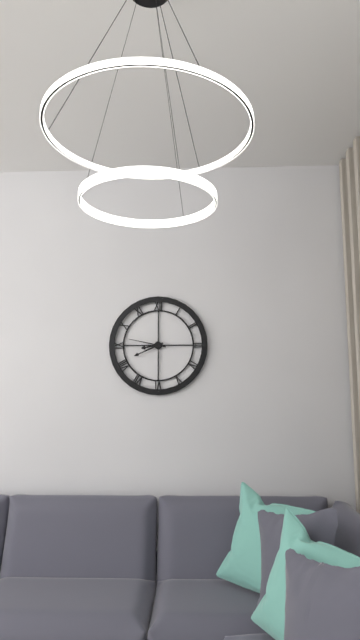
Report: {"hour": 8, "minute": 41}
